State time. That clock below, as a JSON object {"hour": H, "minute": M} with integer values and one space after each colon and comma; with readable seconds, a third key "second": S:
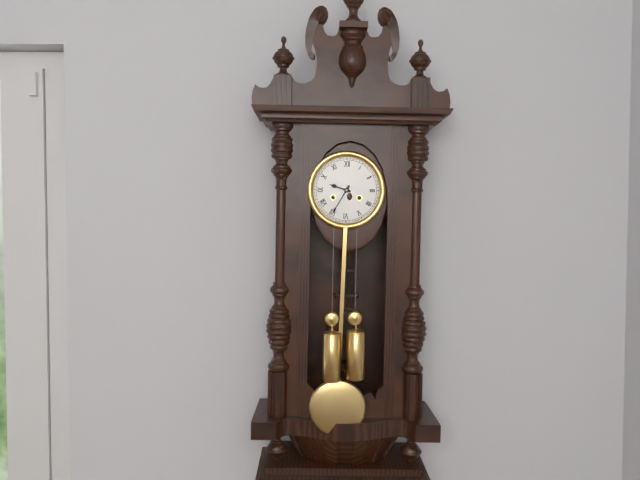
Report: {"hour": 9, "minute": 35}
